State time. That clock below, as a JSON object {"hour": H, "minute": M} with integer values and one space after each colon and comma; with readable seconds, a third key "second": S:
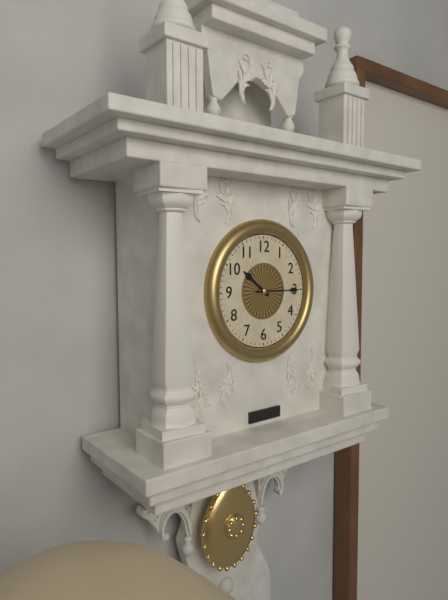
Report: {"hour": 10, "minute": 15}
